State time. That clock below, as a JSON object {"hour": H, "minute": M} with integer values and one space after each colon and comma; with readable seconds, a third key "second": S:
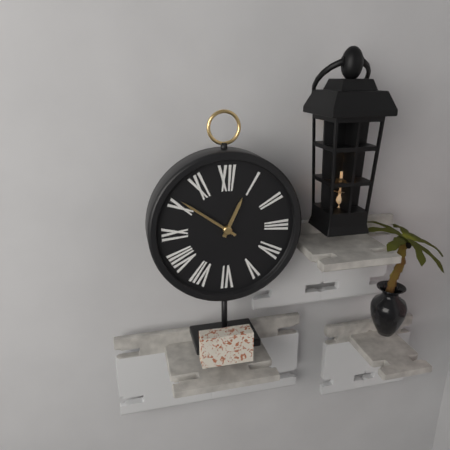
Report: {"hour": 12, "minute": 51}
